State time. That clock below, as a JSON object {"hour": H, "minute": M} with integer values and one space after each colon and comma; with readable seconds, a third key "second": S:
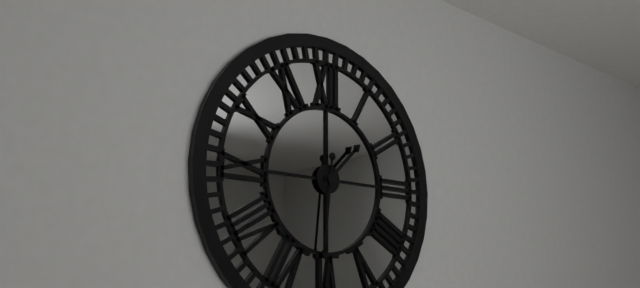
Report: {"hour": 1, "minute": 31}
